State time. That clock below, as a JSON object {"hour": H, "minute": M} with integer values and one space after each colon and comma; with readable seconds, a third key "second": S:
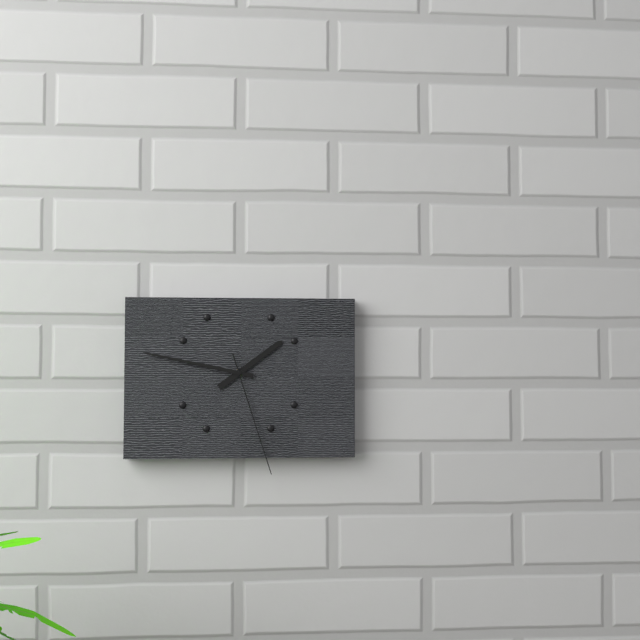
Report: {"hour": 1, "minute": 47, "second": 27}
